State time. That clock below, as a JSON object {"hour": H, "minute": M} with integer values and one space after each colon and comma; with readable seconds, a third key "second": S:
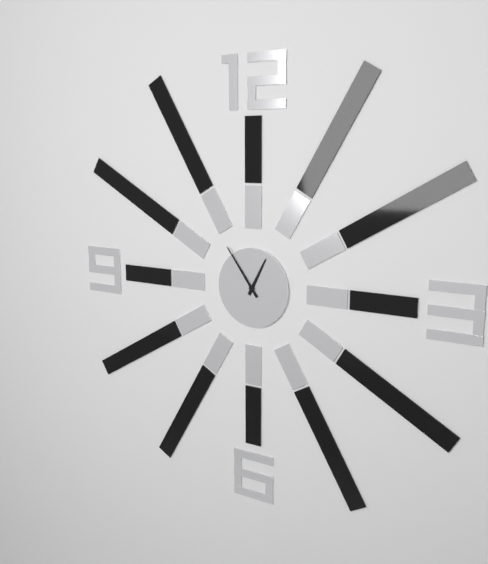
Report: {"hour": 12, "minute": 54}
